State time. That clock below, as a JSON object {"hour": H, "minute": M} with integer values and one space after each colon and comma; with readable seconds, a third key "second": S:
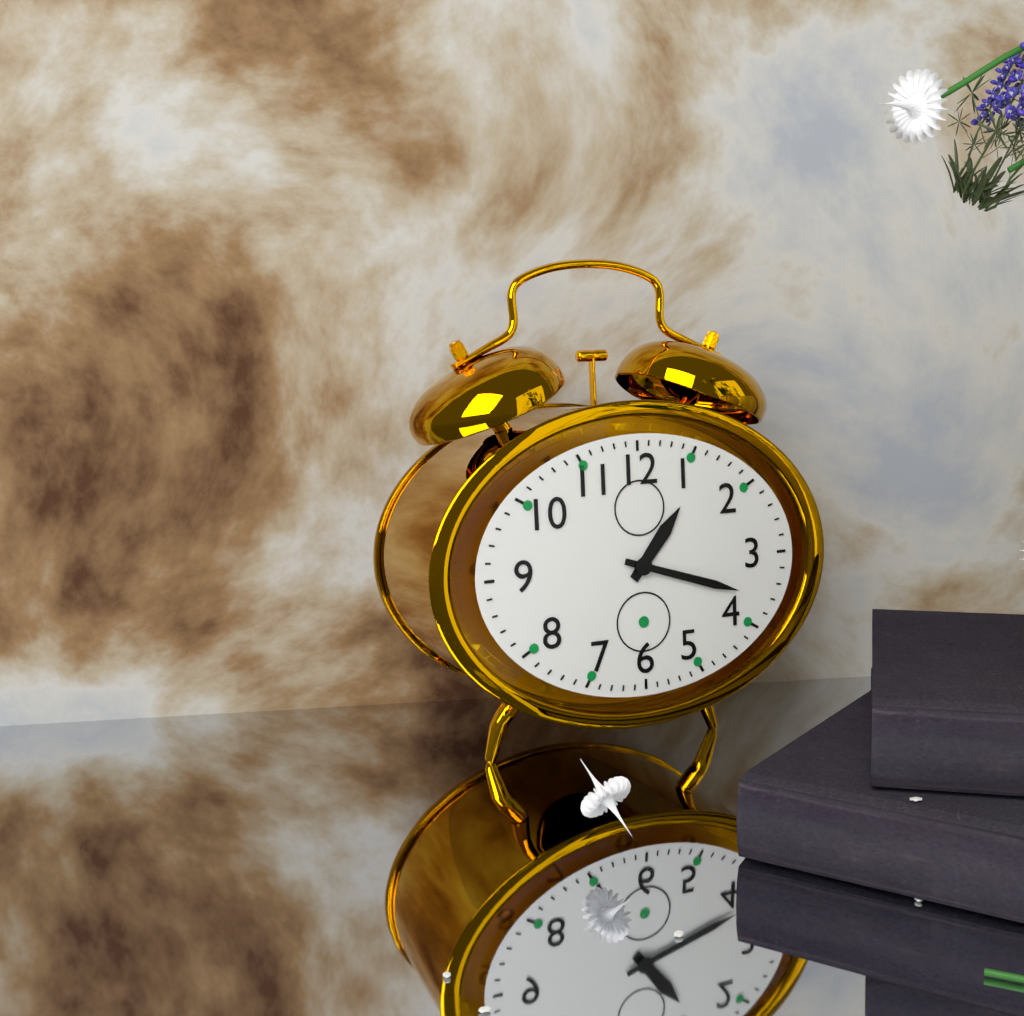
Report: {"hour": 1, "minute": 18}
